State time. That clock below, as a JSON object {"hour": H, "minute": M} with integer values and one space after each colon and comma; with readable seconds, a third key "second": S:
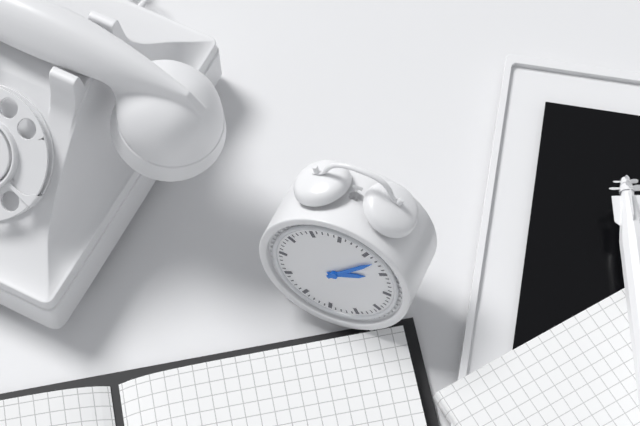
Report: {"hour": 2, "minute": 7}
